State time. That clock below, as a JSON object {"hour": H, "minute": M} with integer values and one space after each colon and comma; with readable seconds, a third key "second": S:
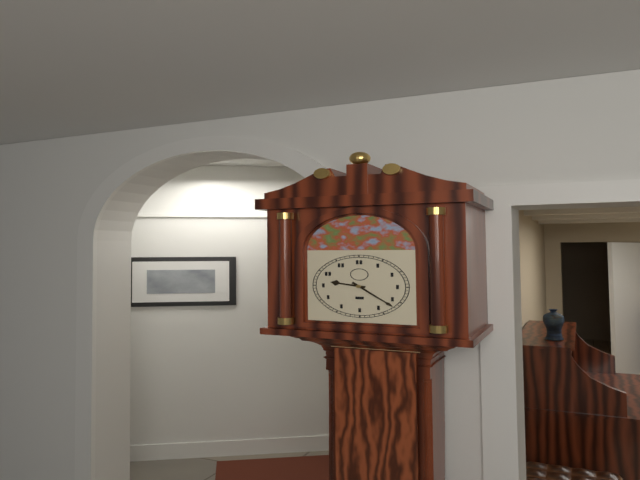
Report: {"hour": 9, "minute": 22}
